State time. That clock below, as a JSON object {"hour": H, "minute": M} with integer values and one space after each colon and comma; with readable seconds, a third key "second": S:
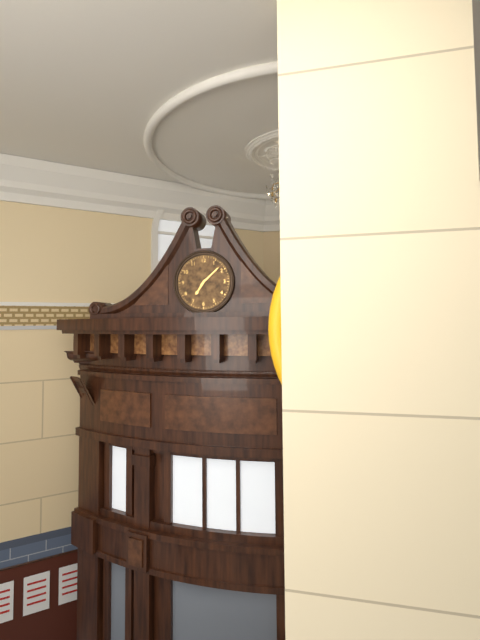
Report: {"hour": 7, "minute": 8}
